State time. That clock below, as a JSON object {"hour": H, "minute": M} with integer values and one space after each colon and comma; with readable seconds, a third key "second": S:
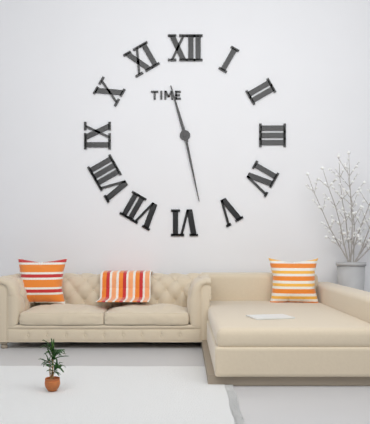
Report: {"hour": 11, "minute": 28}
